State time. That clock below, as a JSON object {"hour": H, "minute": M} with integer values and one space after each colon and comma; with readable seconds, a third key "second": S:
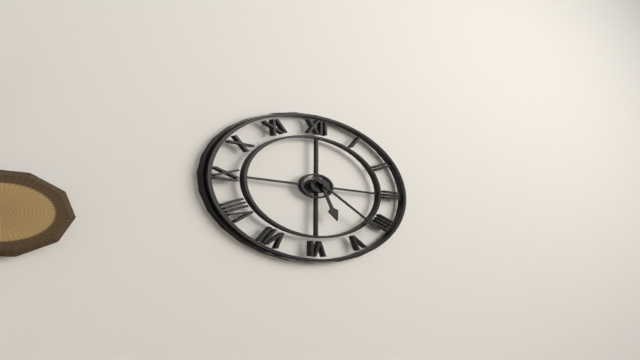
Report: {"hour": 5, "minute": 22}
